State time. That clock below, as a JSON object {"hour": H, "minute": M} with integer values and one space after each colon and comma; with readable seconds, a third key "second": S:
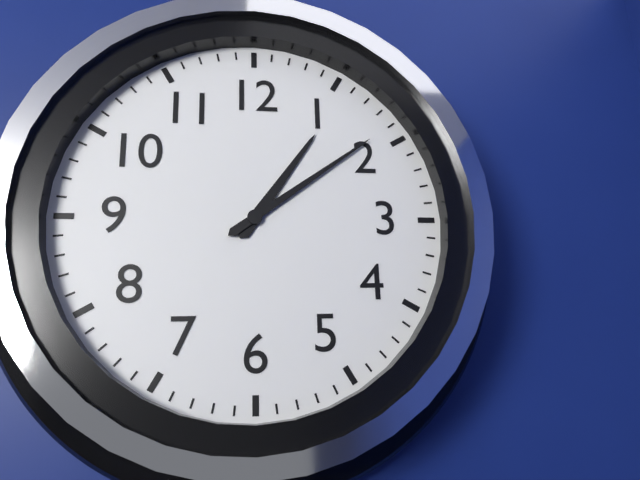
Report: {"hour": 1, "minute": 9}
